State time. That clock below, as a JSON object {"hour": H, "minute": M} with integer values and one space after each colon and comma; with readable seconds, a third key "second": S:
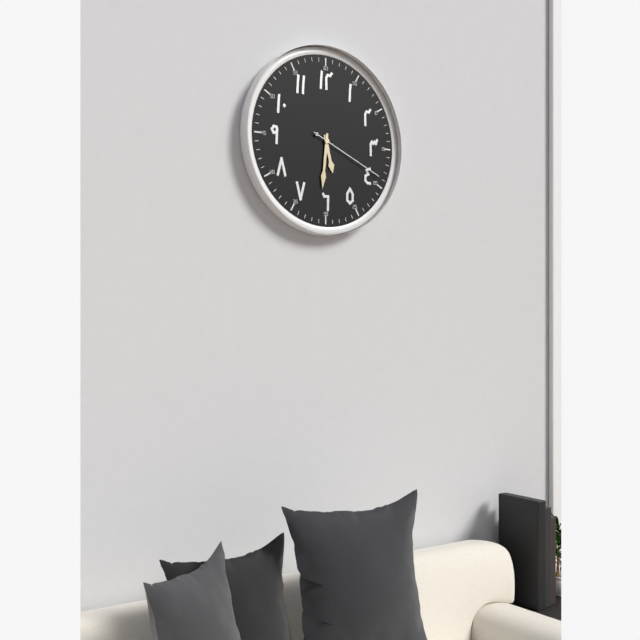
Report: {"hour": 5, "minute": 31, "second": 19}
